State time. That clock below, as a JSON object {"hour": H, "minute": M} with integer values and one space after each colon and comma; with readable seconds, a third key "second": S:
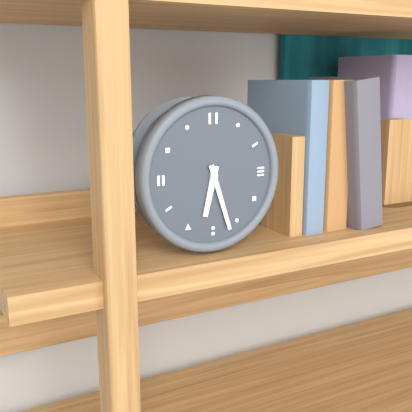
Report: {"hour": 6, "minute": 27}
